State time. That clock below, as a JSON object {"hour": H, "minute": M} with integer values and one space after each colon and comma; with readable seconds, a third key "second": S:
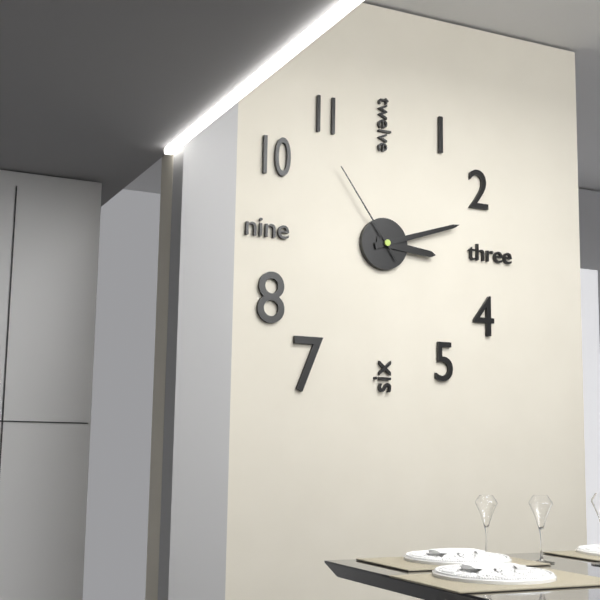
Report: {"hour": 3, "minute": 12, "second": 54}
